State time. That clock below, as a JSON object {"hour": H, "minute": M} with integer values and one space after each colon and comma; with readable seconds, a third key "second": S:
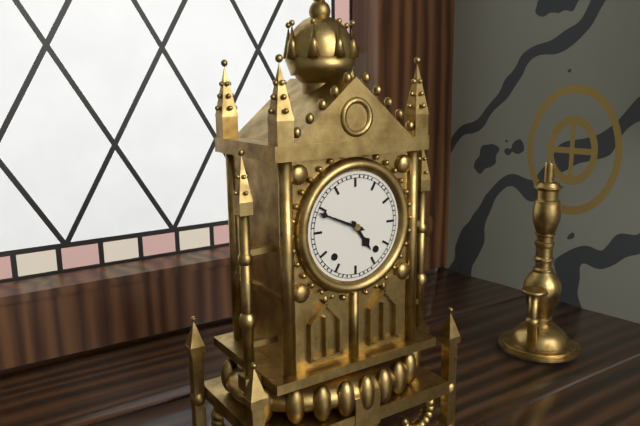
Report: {"hour": 4, "minute": 49}
